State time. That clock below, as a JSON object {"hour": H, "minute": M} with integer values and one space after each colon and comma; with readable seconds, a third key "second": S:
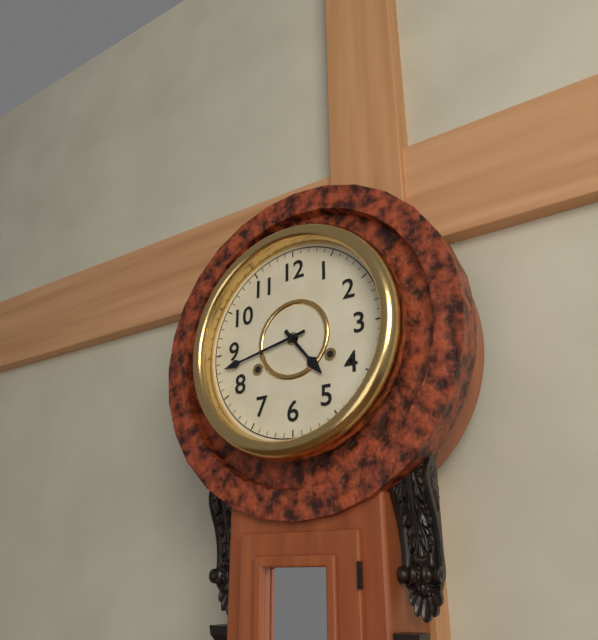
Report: {"hour": 4, "minute": 43}
